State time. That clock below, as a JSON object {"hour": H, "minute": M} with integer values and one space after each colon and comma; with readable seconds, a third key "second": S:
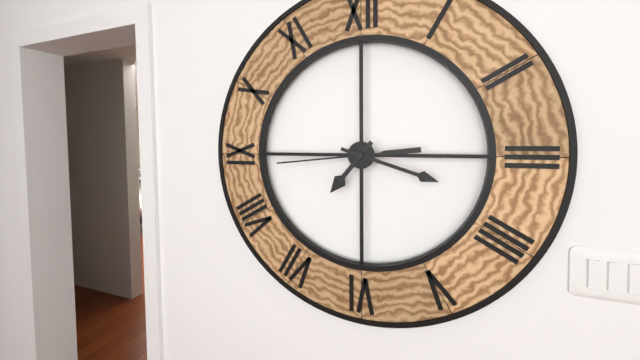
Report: {"hour": 7, "minute": 18, "second": 44}
